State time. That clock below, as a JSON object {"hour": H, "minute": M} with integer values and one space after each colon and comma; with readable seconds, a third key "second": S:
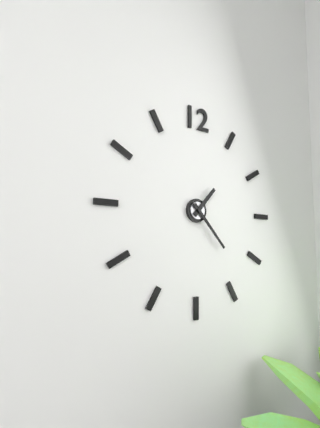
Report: {"hour": 1, "minute": 23}
